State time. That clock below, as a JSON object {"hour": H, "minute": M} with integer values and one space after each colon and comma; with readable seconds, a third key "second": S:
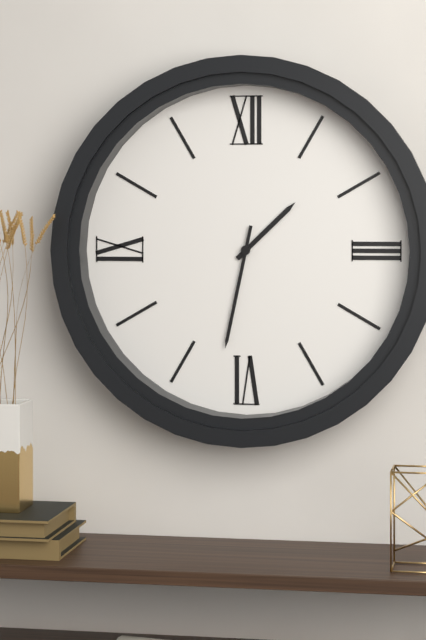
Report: {"hour": 1, "minute": 32}
